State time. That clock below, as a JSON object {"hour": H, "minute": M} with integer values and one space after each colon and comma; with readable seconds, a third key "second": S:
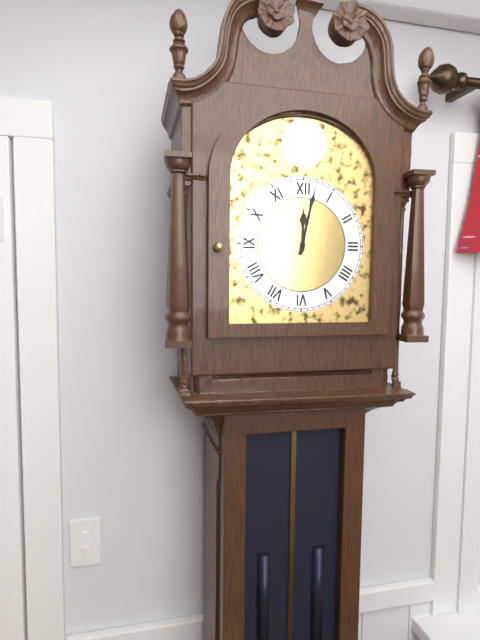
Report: {"hour": 12, "minute": 2}
